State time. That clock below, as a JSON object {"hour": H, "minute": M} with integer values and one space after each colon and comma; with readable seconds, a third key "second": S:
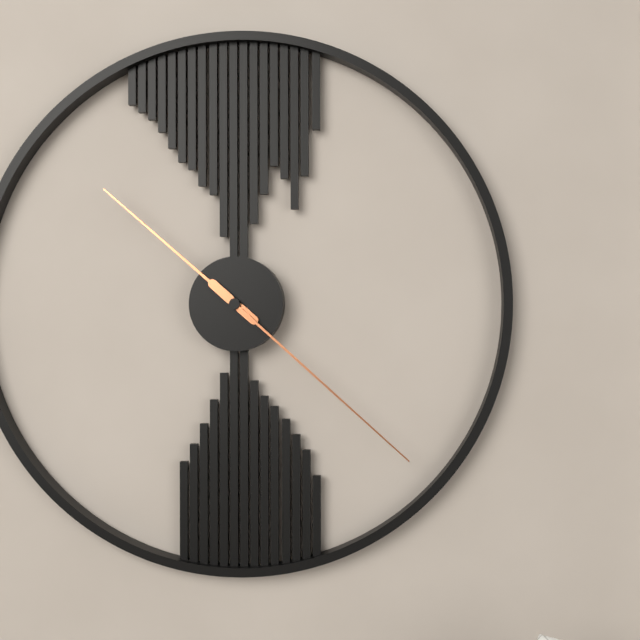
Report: {"hour": 10, "minute": 22}
